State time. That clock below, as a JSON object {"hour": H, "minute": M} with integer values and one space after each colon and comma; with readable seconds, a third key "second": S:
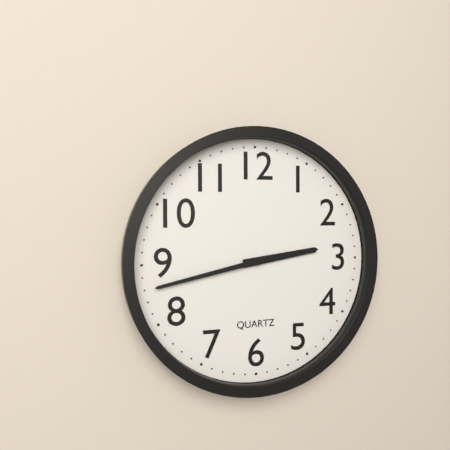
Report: {"hour": 2, "minute": 43}
